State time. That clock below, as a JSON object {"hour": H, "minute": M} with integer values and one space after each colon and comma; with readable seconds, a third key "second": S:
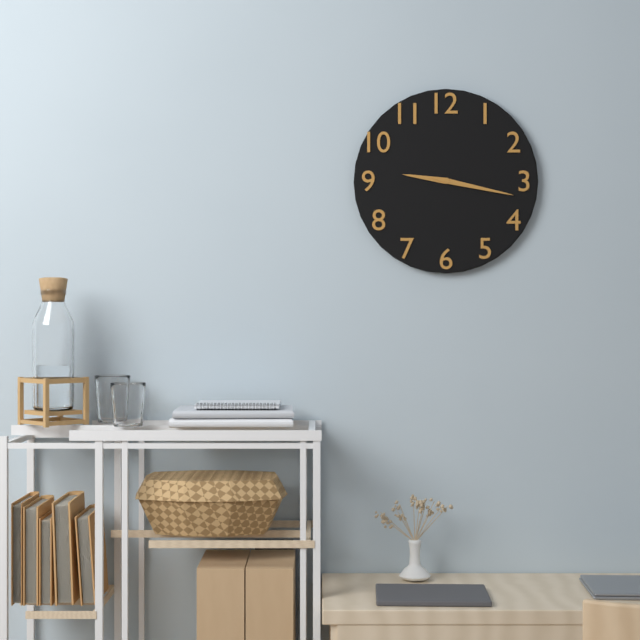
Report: {"hour": 9, "minute": 17}
